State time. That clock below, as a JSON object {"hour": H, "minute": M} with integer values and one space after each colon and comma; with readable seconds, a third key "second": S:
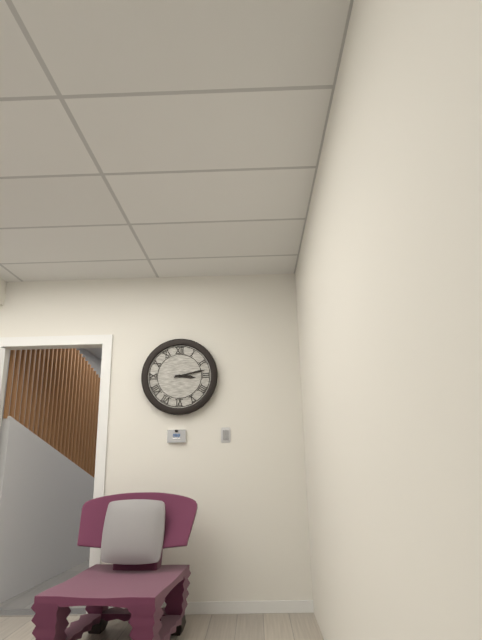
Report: {"hour": 3, "minute": 13}
